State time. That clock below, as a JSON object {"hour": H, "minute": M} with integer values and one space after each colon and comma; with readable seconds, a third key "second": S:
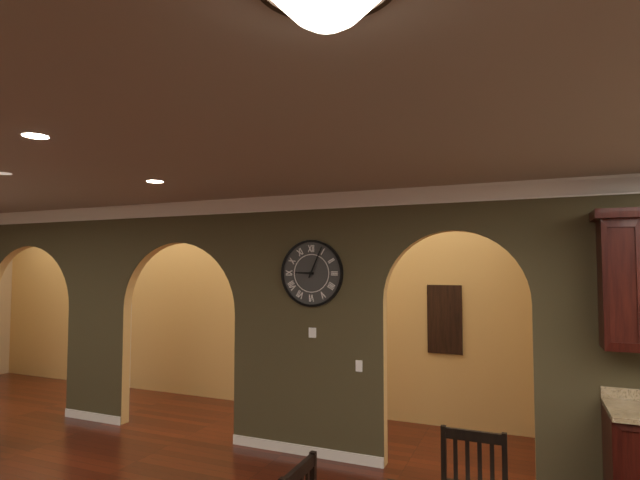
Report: {"hour": 9, "minute": 4}
